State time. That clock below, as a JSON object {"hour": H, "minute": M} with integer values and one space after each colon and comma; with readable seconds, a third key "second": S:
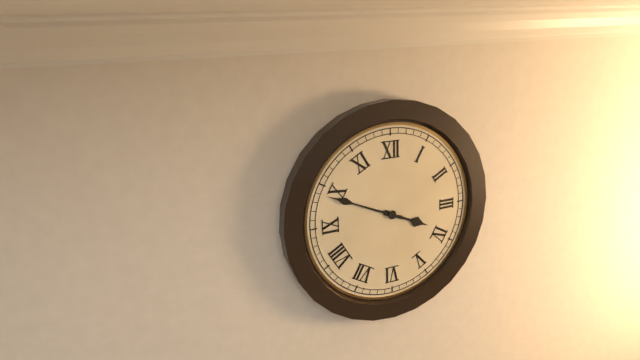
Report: {"hour": 3, "minute": 49}
